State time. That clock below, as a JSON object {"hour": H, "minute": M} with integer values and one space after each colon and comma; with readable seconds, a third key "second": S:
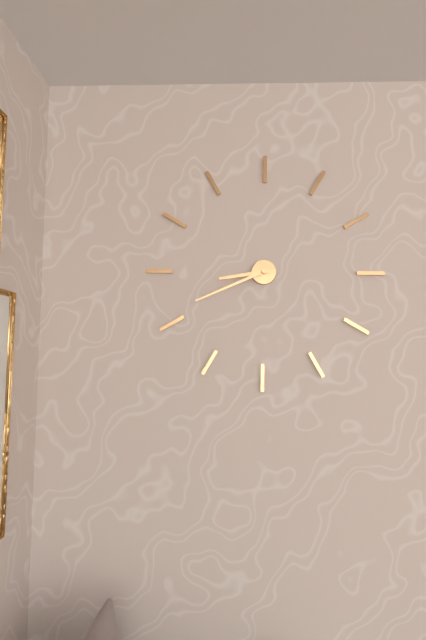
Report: {"hour": 8, "minute": 41}
